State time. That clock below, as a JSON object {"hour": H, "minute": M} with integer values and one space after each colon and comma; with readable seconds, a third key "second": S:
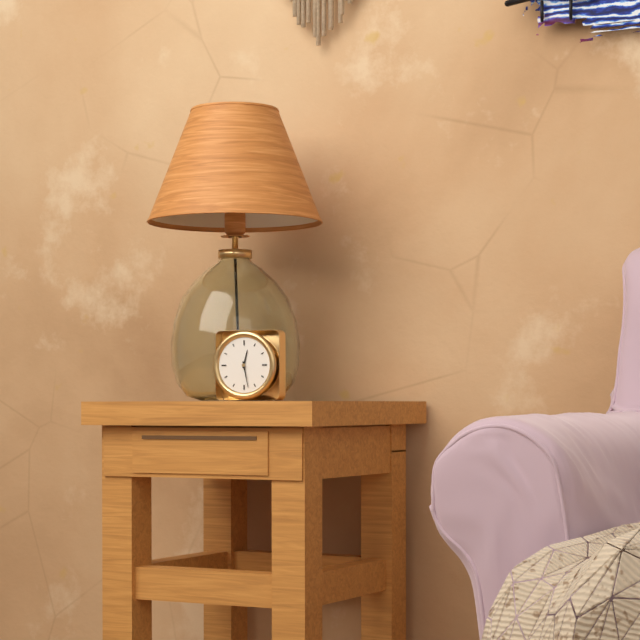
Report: {"hour": 12, "minute": 28}
